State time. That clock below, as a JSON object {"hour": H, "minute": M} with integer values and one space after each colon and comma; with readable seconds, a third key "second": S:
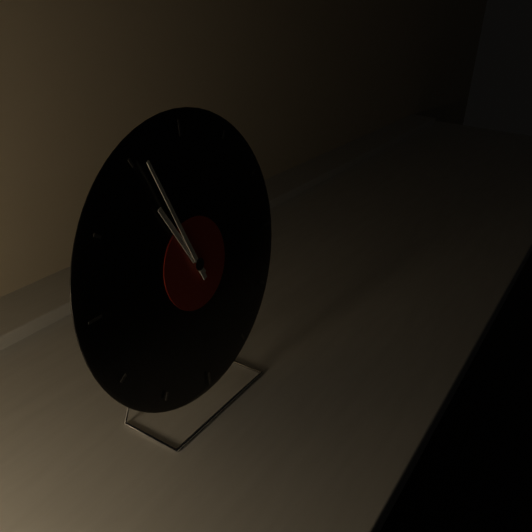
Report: {"hour": 10, "minute": 56}
